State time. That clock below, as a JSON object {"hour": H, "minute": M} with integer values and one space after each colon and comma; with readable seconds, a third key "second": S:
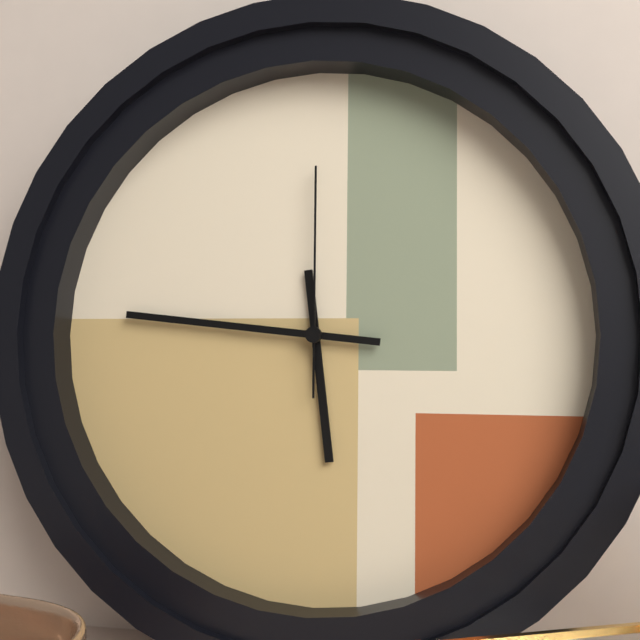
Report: {"hour": 5, "minute": 46, "second": 0}
